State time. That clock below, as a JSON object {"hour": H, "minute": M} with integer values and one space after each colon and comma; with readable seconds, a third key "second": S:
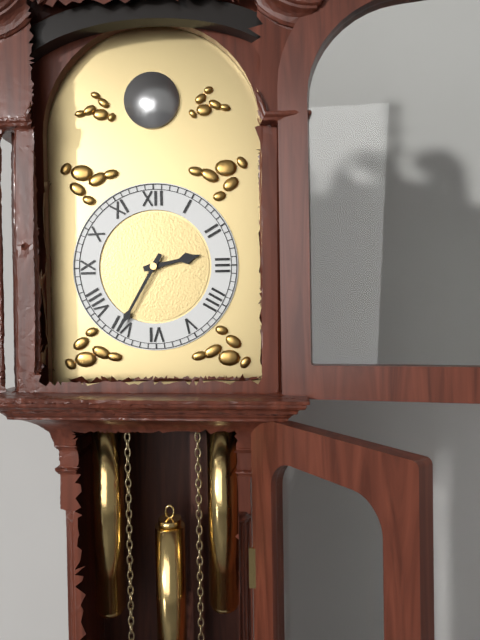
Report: {"hour": 2, "minute": 35}
